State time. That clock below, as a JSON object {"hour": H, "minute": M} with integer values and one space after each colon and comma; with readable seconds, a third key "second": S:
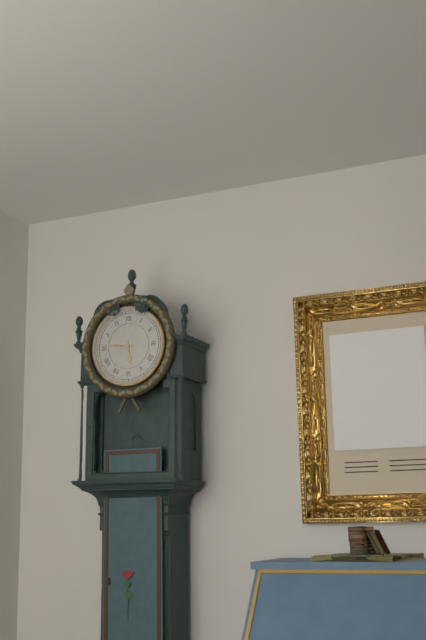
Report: {"hour": 5, "minute": 46}
